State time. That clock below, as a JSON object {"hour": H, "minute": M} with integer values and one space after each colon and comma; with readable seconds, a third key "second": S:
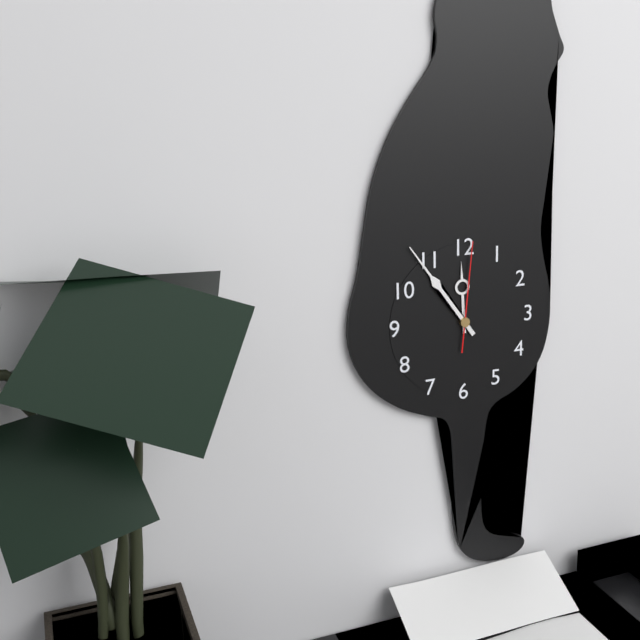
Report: {"hour": 11, "minute": 54, "second": 1}
